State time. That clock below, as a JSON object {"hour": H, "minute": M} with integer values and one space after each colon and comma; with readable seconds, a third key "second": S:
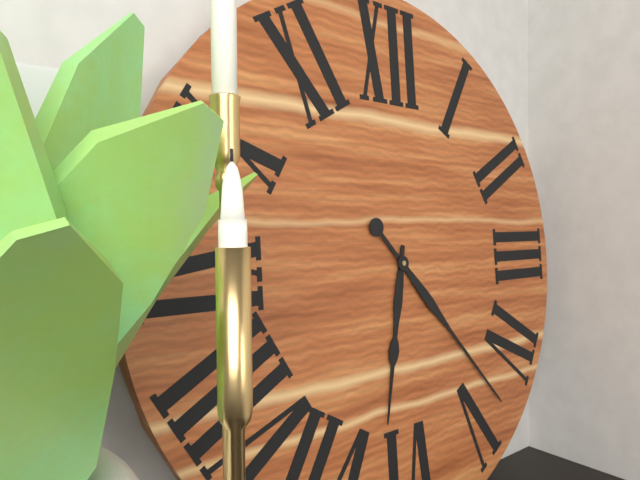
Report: {"hour": 6, "minute": 23}
